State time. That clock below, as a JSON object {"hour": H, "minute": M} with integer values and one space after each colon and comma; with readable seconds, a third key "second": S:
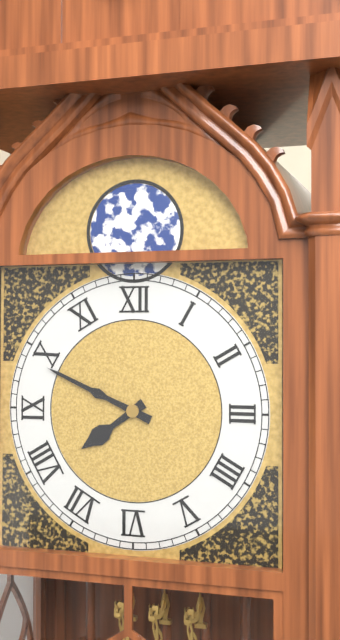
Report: {"hour": 7, "minute": 49}
